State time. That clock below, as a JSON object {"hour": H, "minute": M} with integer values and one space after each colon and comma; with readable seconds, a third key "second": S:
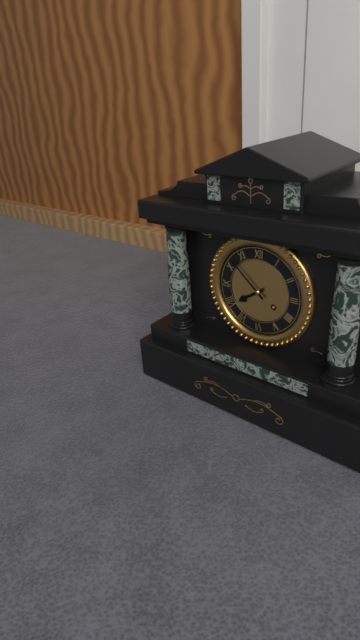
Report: {"hour": 7, "minute": 52}
